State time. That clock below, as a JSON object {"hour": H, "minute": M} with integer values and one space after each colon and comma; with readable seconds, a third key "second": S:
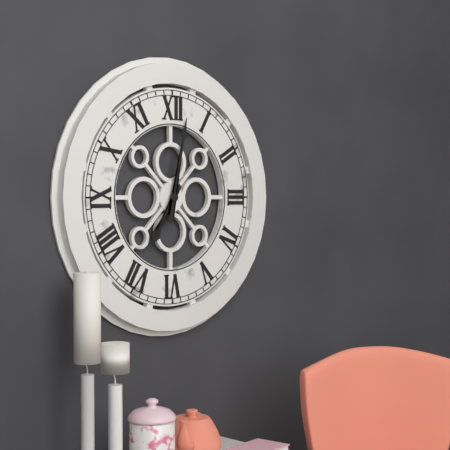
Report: {"hour": 7, "minute": 2}
